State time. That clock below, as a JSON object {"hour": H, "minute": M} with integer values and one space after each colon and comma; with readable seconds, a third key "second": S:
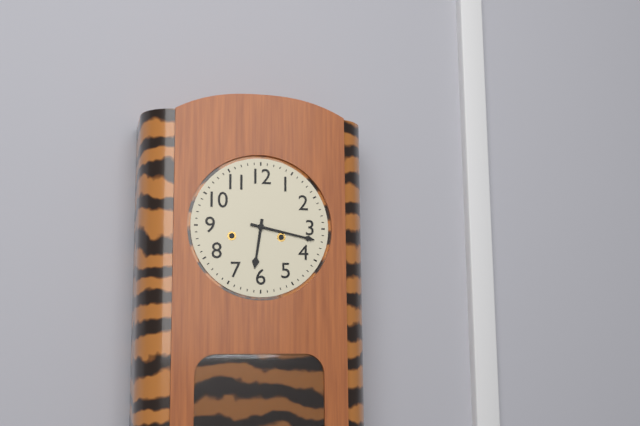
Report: {"hour": 6, "minute": 17}
